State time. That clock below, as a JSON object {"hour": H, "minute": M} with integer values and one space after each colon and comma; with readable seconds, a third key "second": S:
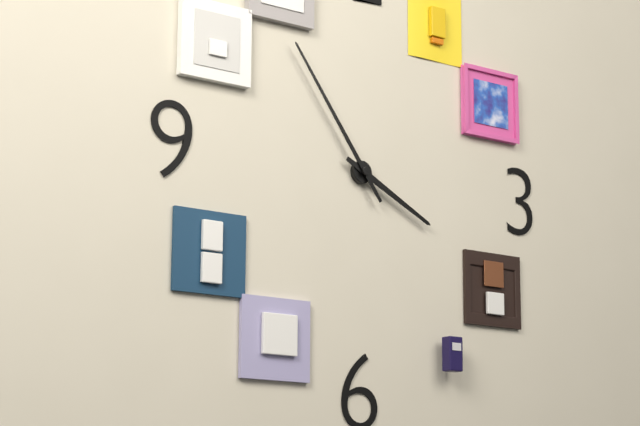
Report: {"hour": 3, "minute": 54}
